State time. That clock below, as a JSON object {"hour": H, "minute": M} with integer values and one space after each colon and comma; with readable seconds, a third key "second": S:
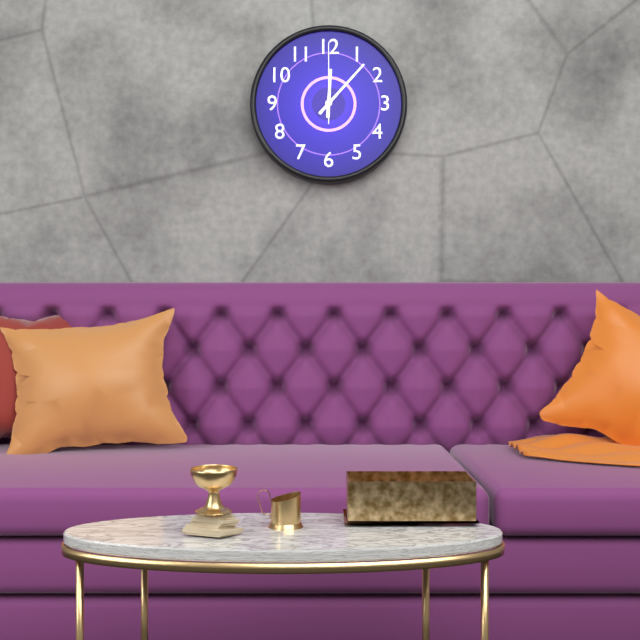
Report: {"hour": 12, "minute": 7, "second": 0}
